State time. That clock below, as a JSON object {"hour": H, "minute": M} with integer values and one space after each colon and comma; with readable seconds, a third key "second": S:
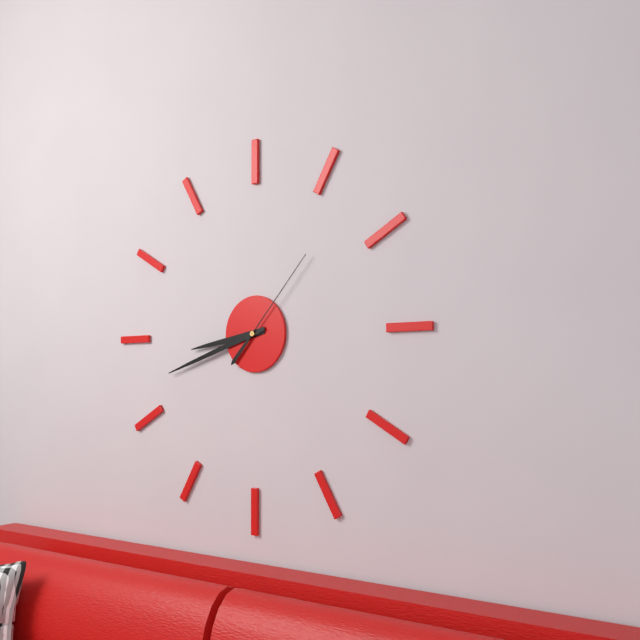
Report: {"hour": 8, "minute": 42, "second": 7}
